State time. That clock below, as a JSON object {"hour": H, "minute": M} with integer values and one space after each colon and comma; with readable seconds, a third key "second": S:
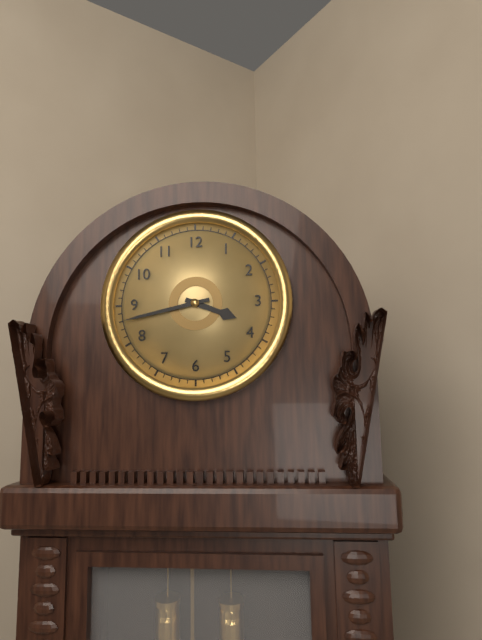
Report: {"hour": 3, "minute": 43}
